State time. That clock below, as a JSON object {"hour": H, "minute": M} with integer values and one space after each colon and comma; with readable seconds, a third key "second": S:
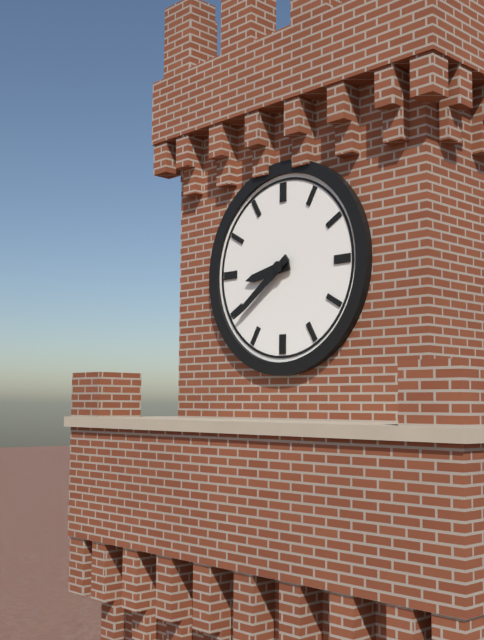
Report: {"hour": 8, "minute": 39}
